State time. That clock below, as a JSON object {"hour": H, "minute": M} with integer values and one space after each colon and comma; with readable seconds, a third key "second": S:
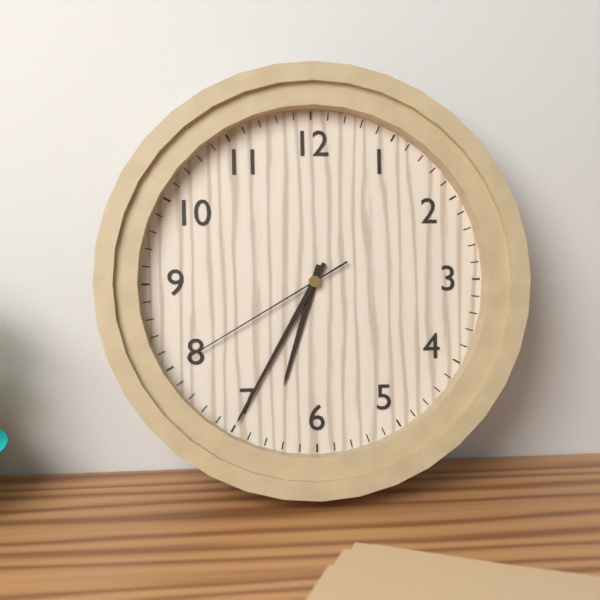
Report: {"hour": 6, "minute": 35, "second": 40}
